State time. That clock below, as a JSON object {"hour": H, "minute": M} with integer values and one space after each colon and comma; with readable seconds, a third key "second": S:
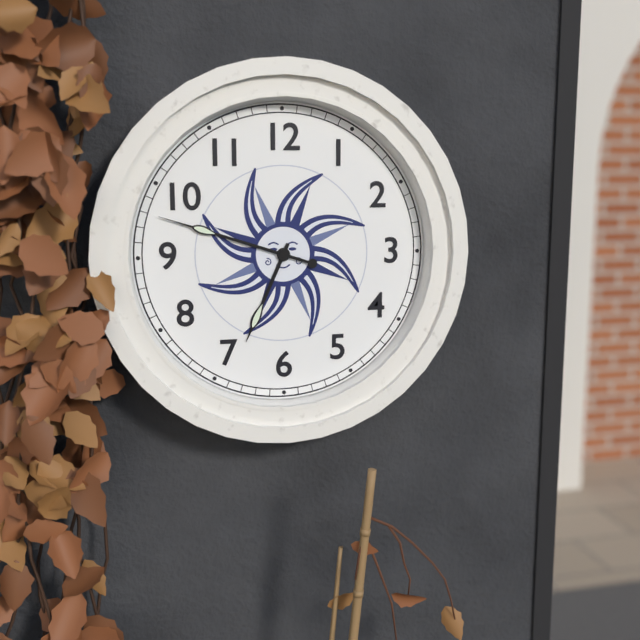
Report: {"hour": 6, "minute": 48}
